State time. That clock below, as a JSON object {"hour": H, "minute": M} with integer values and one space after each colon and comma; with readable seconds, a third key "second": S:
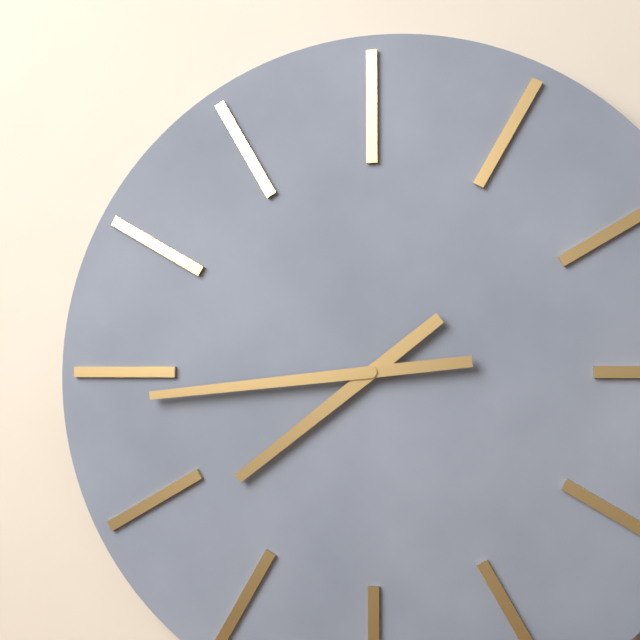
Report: {"hour": 7, "minute": 44}
